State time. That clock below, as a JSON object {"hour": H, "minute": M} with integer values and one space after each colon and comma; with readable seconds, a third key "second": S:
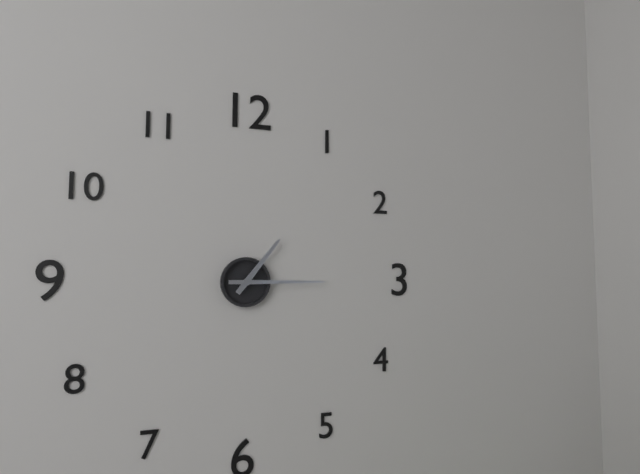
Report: {"hour": 1, "minute": 15}
